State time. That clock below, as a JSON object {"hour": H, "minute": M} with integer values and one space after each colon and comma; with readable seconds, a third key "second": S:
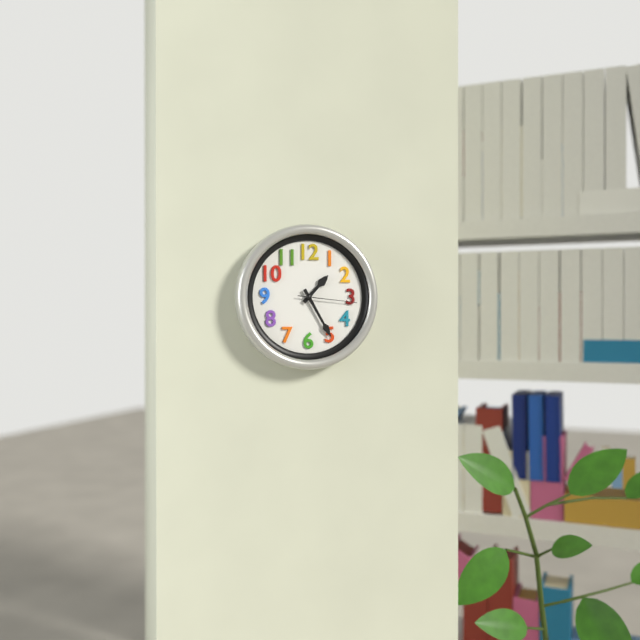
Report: {"hour": 1, "minute": 25, "second": 16}
